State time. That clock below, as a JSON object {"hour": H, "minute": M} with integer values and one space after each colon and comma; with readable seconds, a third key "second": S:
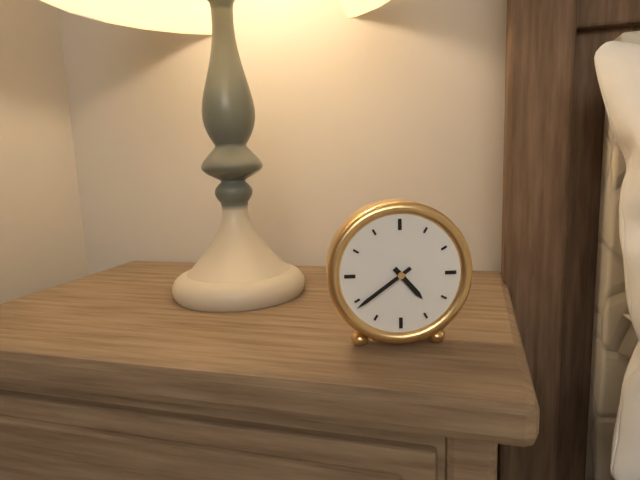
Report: {"hour": 4, "minute": 39}
